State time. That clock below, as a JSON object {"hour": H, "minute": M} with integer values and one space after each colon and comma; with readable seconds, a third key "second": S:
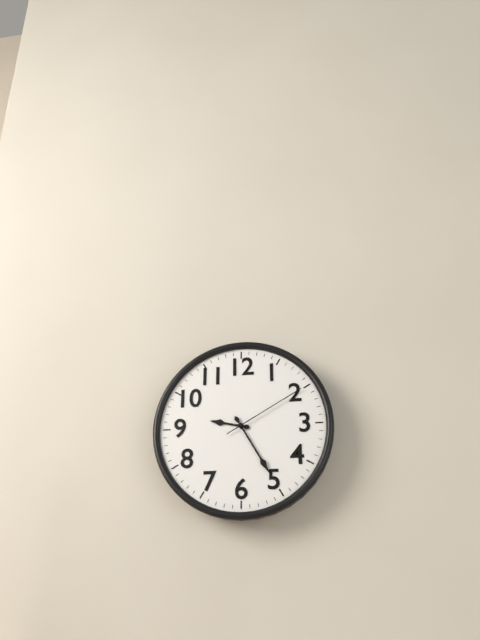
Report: {"hour": 9, "minute": 25, "second": 10}
